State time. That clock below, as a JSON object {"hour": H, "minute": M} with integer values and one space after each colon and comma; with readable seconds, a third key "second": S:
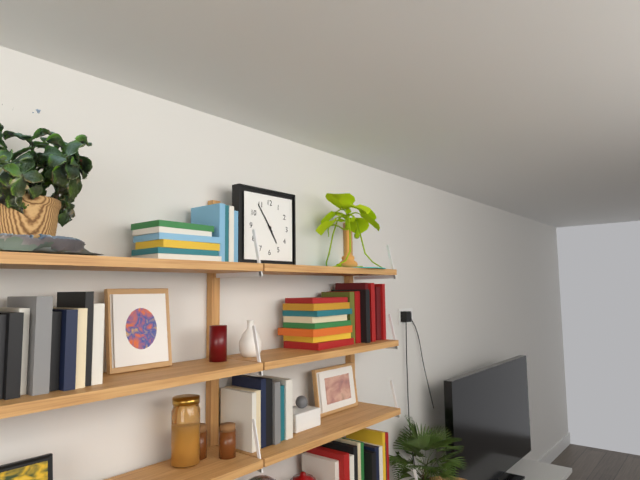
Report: {"hour": 4, "minute": 54}
